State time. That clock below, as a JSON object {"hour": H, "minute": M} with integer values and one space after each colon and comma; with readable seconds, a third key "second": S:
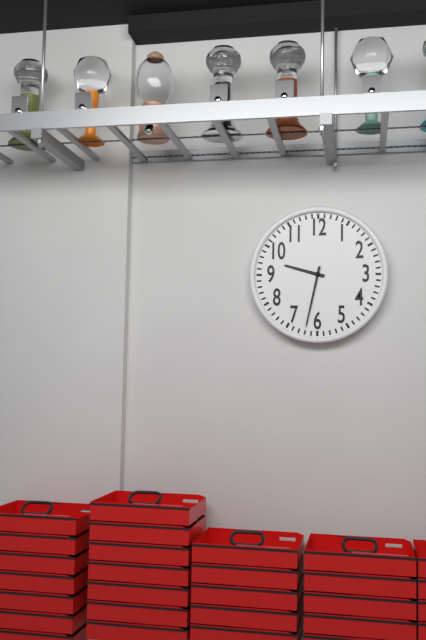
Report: {"hour": 9, "minute": 32}
